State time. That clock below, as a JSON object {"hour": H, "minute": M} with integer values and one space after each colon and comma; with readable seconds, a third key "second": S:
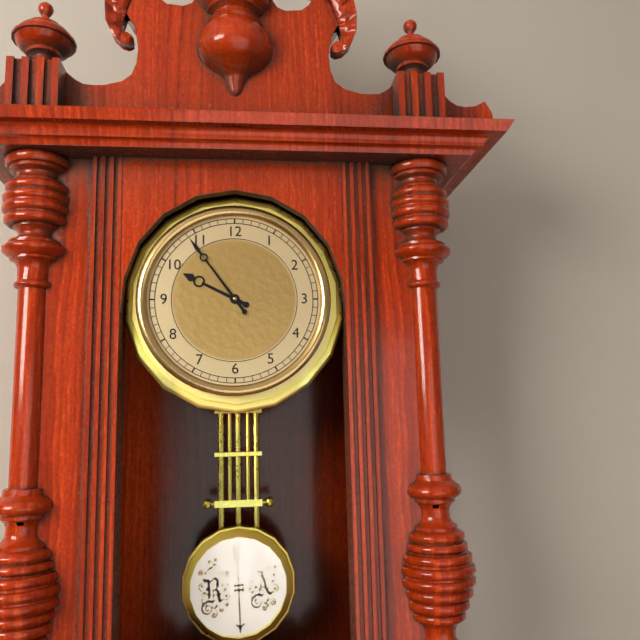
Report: {"hour": 9, "minute": 54}
